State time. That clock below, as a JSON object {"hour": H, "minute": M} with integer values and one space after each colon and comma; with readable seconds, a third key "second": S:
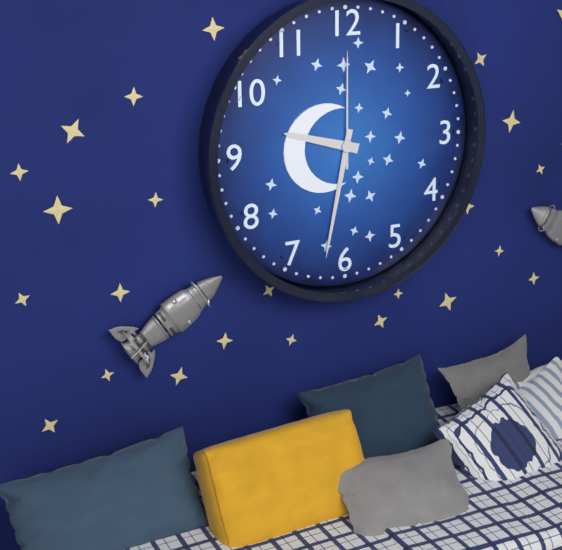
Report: {"hour": 9, "minute": 32, "second": 0}
